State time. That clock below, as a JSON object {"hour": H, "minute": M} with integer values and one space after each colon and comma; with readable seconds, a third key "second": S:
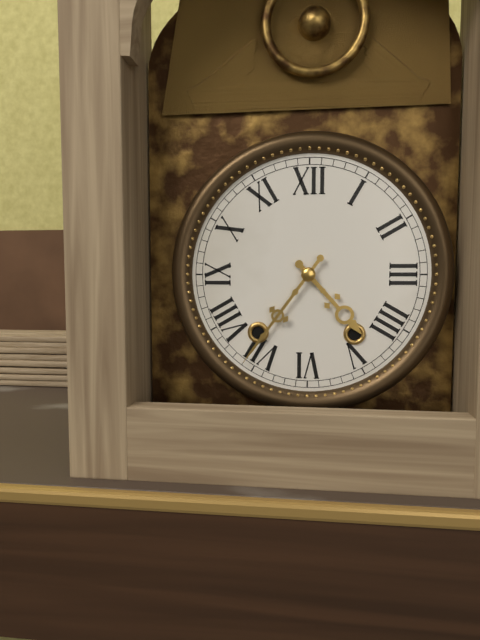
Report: {"hour": 4, "minute": 36}
